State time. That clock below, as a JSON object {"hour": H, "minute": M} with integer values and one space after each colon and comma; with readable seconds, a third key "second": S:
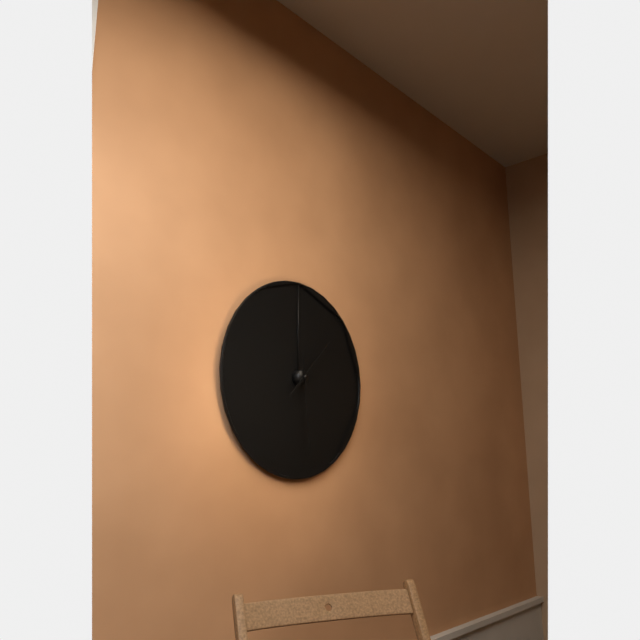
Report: {"hour": 1, "minute": 29}
